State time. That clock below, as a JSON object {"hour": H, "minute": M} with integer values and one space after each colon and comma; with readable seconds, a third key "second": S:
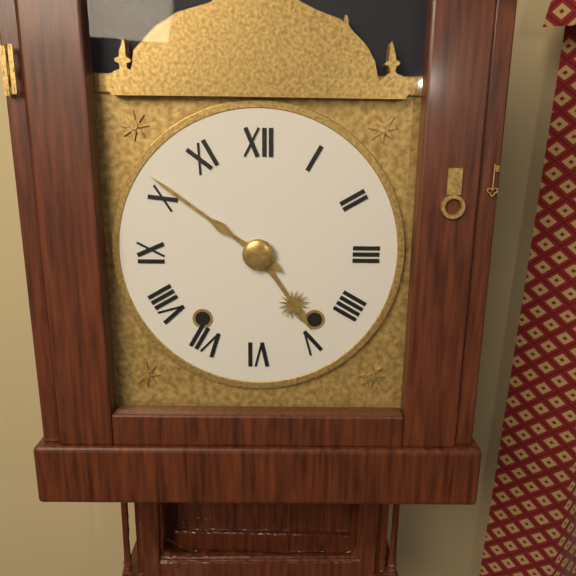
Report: {"hour": 4, "minute": 51}
